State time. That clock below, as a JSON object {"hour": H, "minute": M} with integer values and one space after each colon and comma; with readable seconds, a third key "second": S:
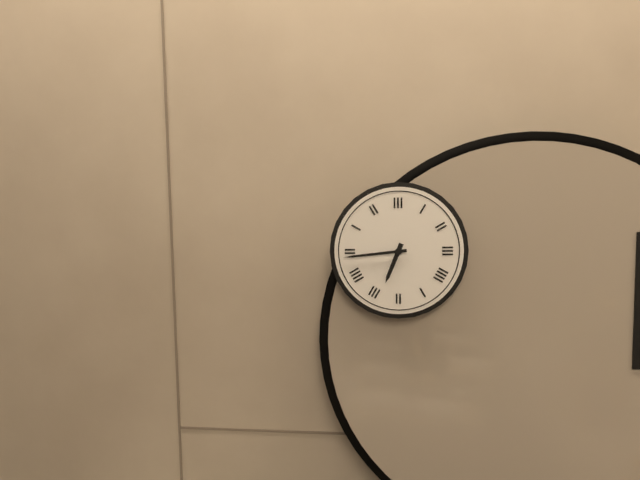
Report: {"hour": 6, "minute": 44}
